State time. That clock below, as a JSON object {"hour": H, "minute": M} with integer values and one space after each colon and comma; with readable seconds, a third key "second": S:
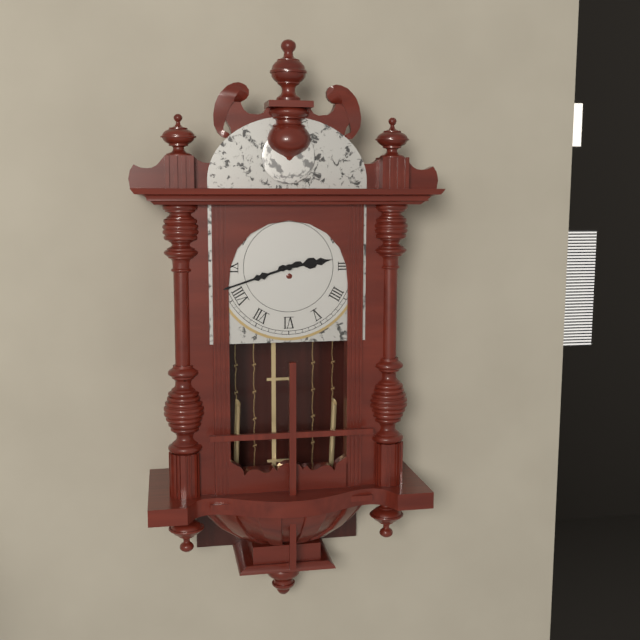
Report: {"hour": 2, "minute": 42}
